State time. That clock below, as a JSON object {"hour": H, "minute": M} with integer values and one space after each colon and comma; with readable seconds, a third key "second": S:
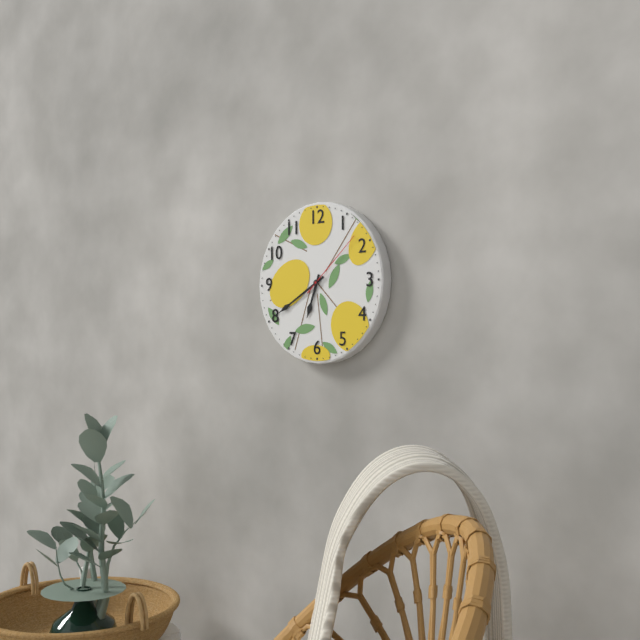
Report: {"hour": 6, "minute": 40, "second": 8}
